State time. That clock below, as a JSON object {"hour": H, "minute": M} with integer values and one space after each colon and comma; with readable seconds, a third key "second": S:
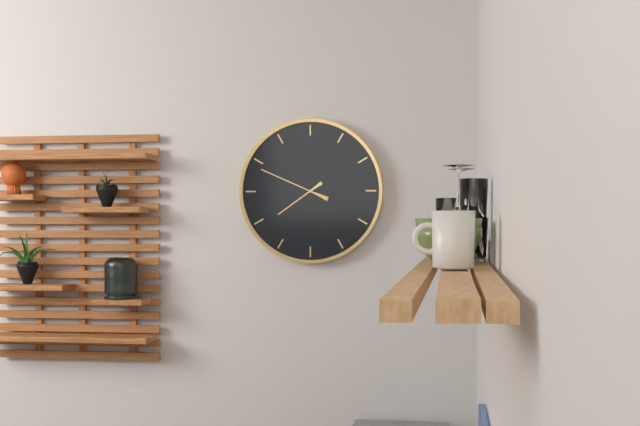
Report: {"hour": 7, "minute": 49}
